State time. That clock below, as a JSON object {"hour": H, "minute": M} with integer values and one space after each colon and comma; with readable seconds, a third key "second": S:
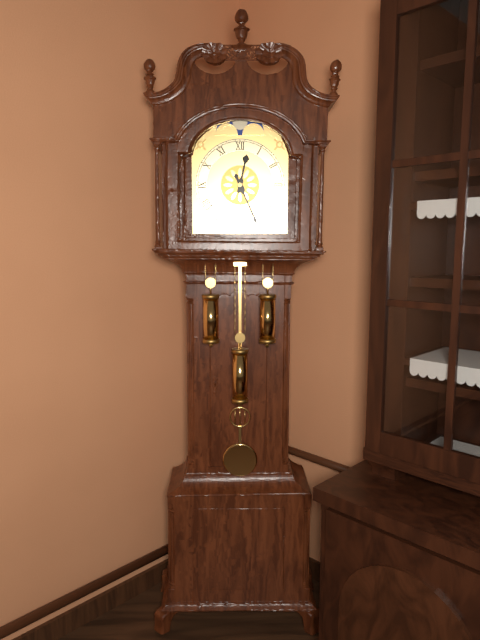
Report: {"hour": 12, "minute": 26}
